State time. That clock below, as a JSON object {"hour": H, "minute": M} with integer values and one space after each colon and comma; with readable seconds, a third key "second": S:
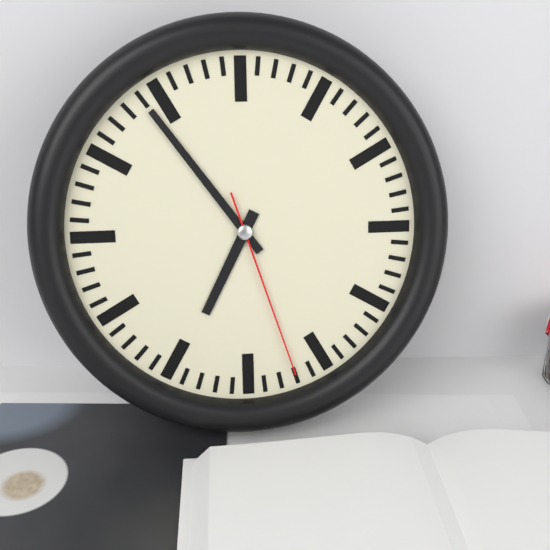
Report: {"hour": 6, "minute": 54, "second": 27}
